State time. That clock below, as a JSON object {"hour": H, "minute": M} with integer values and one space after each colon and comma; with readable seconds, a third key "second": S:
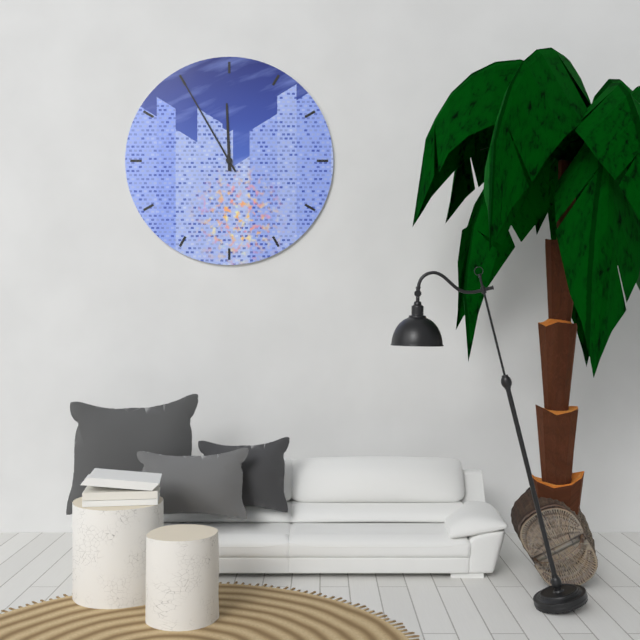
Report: {"hour": 11, "minute": 55}
